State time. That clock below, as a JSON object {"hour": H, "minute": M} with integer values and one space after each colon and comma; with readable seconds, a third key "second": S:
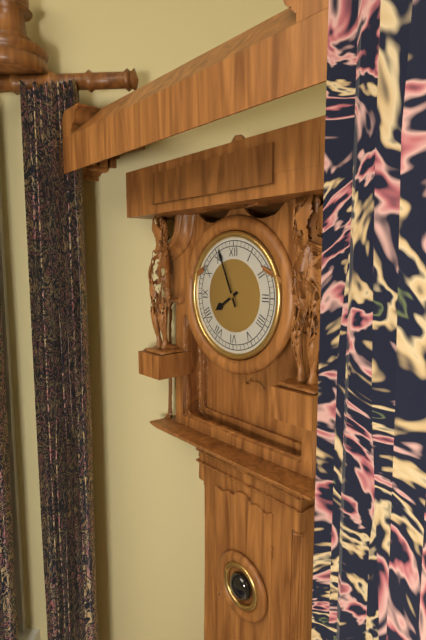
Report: {"hour": 7, "minute": 56}
